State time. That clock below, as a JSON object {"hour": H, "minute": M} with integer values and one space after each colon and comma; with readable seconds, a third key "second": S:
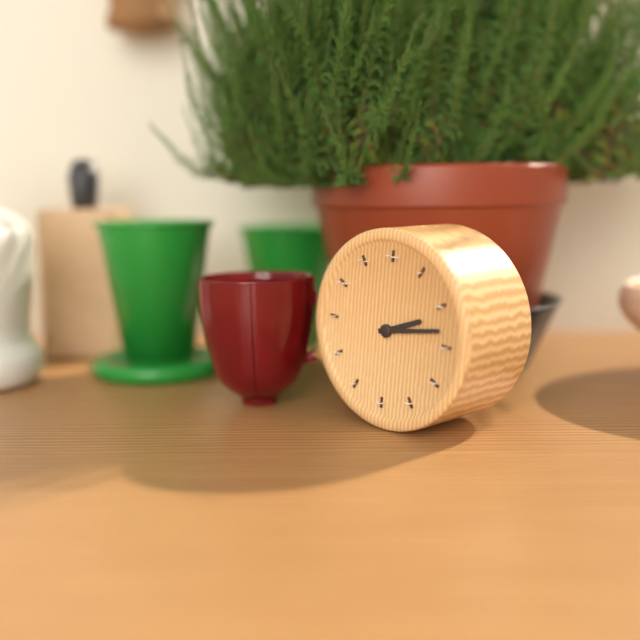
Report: {"hour": 2, "minute": 13}
